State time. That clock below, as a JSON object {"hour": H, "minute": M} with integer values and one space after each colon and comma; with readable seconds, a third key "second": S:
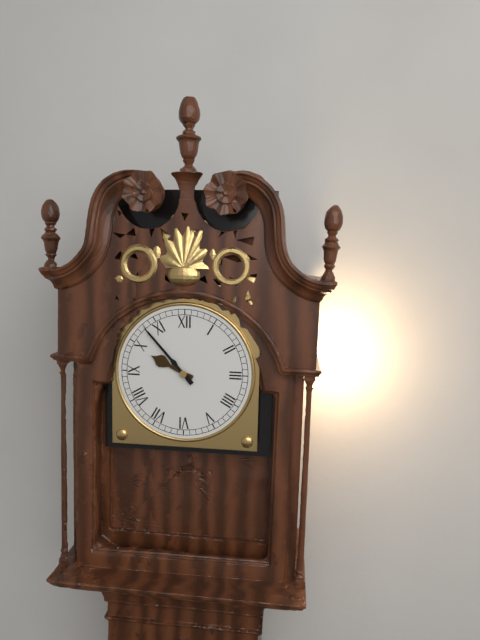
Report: {"hour": 9, "minute": 53}
